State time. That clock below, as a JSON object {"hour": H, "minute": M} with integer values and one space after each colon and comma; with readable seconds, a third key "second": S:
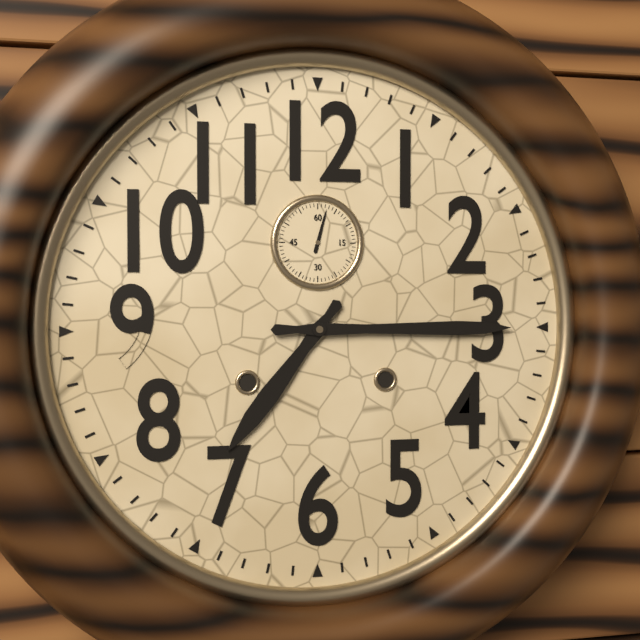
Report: {"hour": 7, "minute": 15}
